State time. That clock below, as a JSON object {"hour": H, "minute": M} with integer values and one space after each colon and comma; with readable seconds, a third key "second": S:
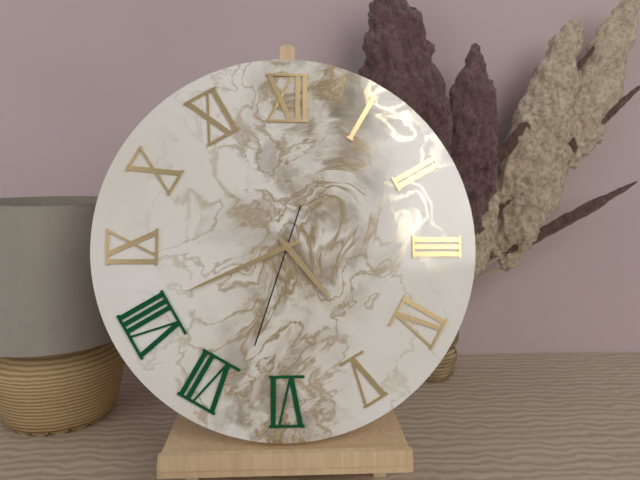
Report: {"hour": 4, "minute": 41, "second": 33}
